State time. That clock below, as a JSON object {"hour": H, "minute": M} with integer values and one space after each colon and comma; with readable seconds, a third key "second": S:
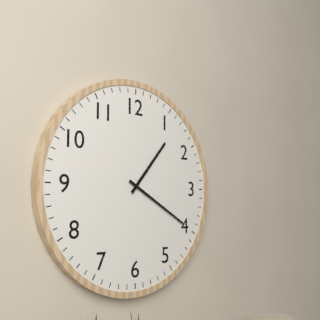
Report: {"hour": 1, "minute": 20}
